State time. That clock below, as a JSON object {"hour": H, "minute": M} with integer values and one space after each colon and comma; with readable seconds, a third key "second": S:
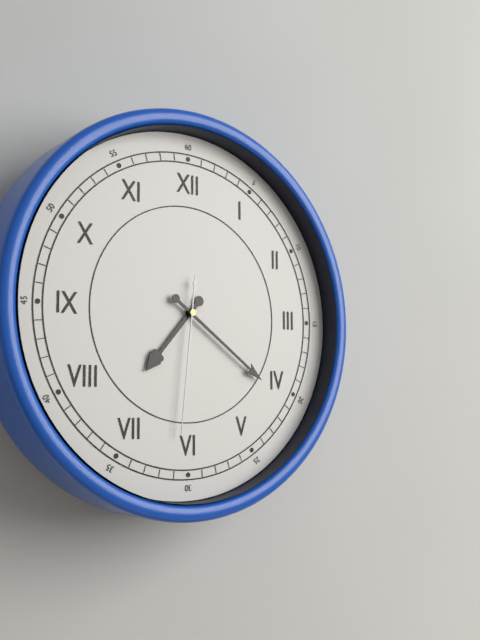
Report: {"hour": 7, "minute": 21, "second": 31}
